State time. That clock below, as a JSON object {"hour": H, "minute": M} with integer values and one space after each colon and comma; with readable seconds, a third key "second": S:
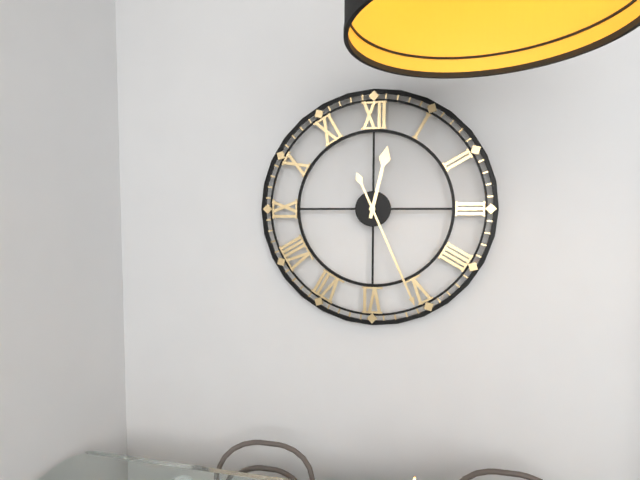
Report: {"hour": 12, "minute": 26}
